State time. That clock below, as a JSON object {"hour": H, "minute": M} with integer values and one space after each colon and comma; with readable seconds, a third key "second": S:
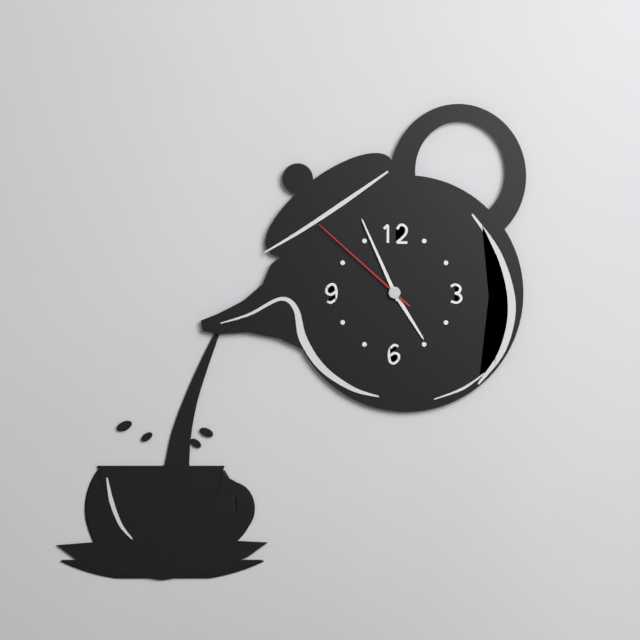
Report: {"hour": 4, "minute": 56, "second": 52}
